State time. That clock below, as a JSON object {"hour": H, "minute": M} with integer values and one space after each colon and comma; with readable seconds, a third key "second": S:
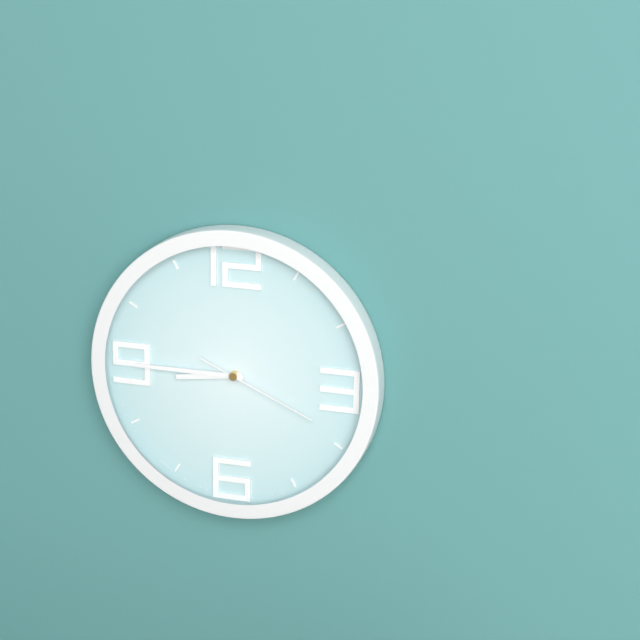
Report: {"hour": 8, "minute": 45, "second": 19}
